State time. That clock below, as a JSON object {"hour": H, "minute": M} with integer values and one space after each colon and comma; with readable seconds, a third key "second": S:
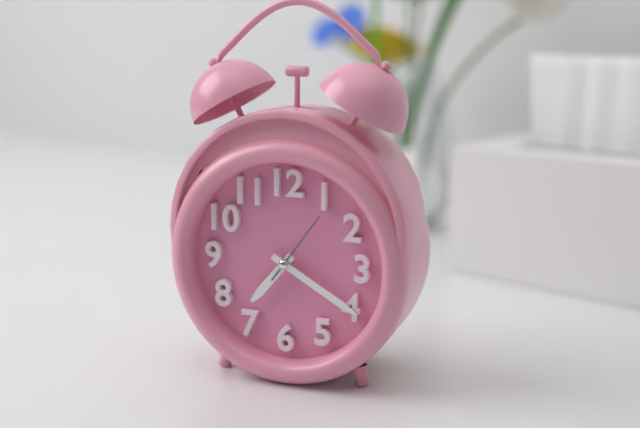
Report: {"hour": 7, "minute": 20, "second": 6}
